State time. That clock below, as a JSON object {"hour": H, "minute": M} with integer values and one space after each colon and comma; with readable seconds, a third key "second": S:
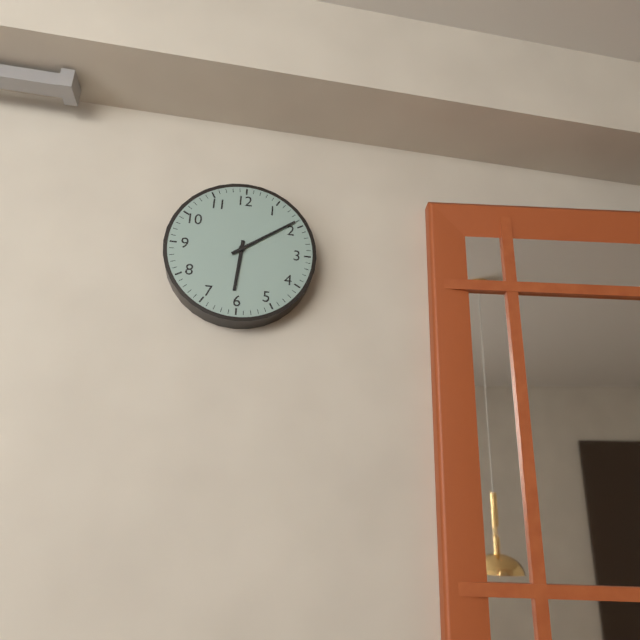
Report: {"hour": 6, "minute": 9}
